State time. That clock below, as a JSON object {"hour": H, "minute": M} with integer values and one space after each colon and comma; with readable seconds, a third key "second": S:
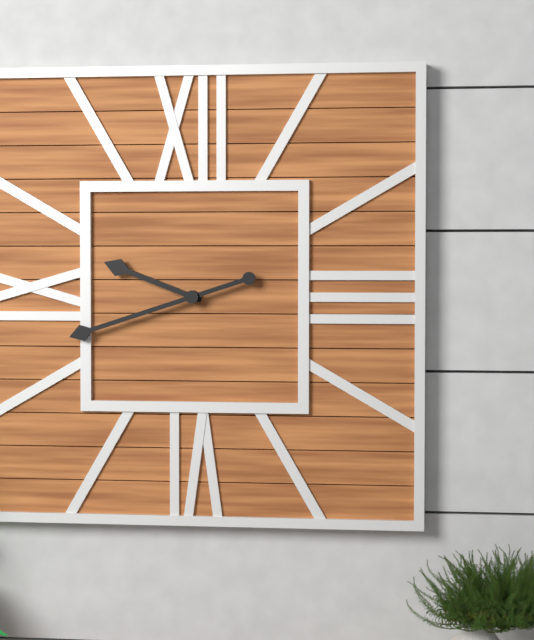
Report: {"hour": 9, "minute": 42}
